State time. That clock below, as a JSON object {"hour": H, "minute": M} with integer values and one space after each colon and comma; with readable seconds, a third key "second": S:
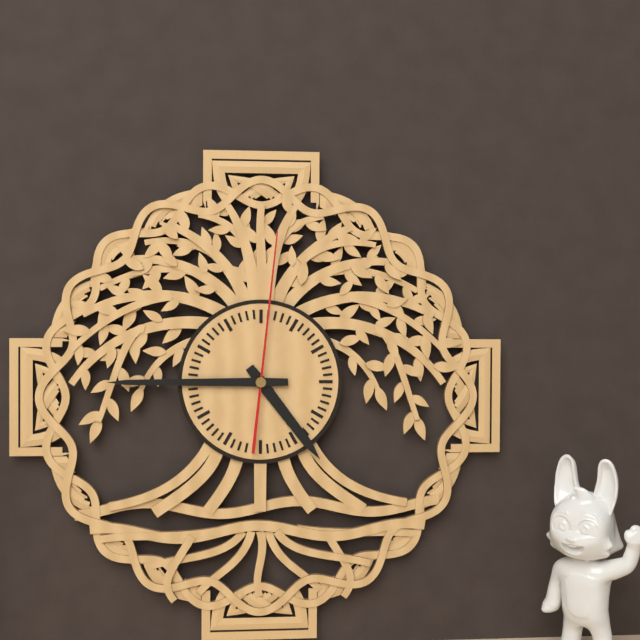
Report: {"hour": 4, "minute": 45, "second": 1}
